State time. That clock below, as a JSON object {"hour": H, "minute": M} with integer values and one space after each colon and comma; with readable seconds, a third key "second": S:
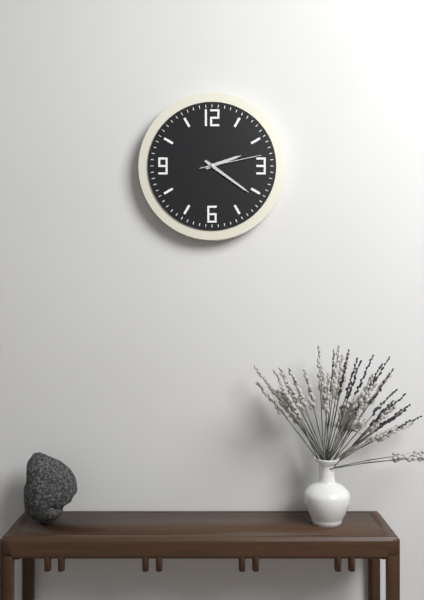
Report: {"hour": 2, "minute": 21, "second": 13}
